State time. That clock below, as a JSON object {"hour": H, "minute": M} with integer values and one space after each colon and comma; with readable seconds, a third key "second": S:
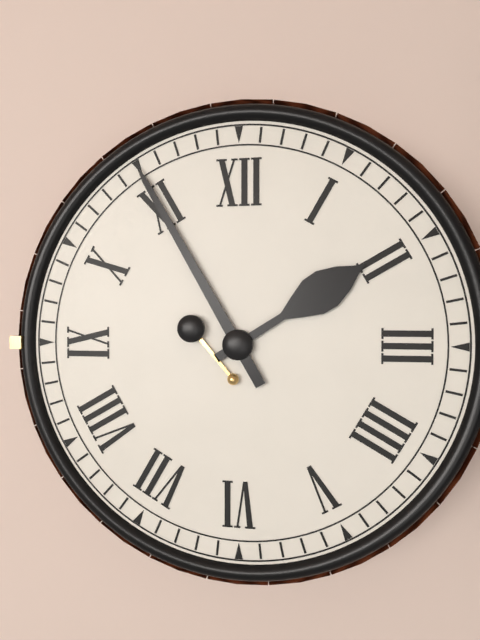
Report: {"hour": 1, "minute": 55}
